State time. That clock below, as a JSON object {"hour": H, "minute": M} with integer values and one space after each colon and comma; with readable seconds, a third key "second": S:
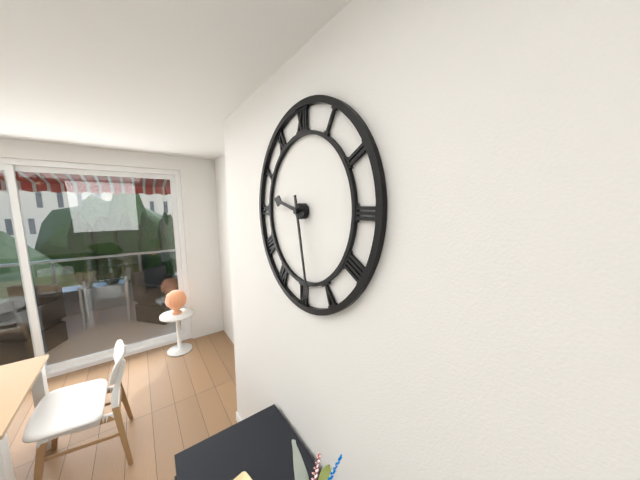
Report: {"hour": 9, "minute": 28}
